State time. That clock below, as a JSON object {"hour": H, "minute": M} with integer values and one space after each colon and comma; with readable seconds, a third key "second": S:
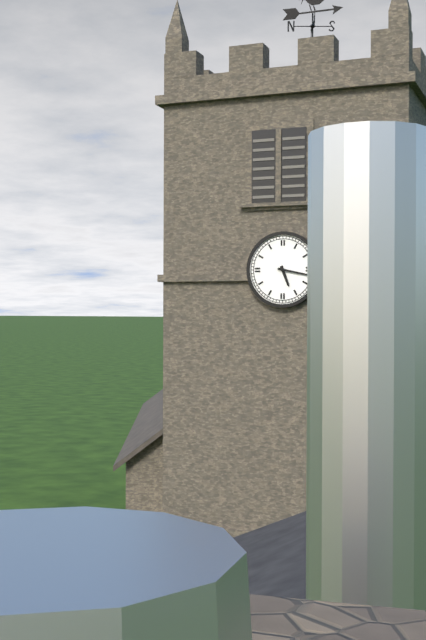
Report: {"hour": 5, "minute": 17}
